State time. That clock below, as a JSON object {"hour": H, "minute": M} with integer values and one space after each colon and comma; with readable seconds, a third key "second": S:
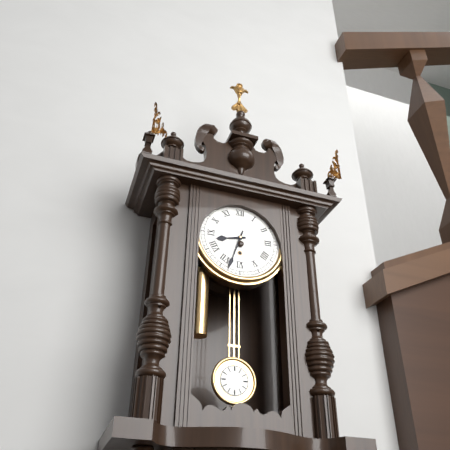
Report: {"hour": 8, "minute": 33}
